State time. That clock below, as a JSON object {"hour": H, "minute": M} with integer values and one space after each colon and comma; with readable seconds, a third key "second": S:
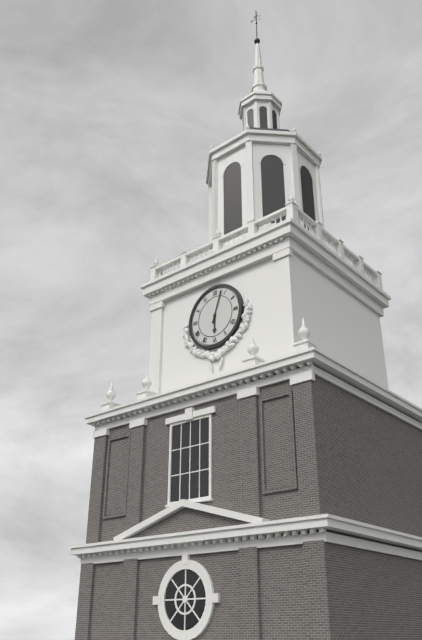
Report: {"hour": 6, "minute": 3}
